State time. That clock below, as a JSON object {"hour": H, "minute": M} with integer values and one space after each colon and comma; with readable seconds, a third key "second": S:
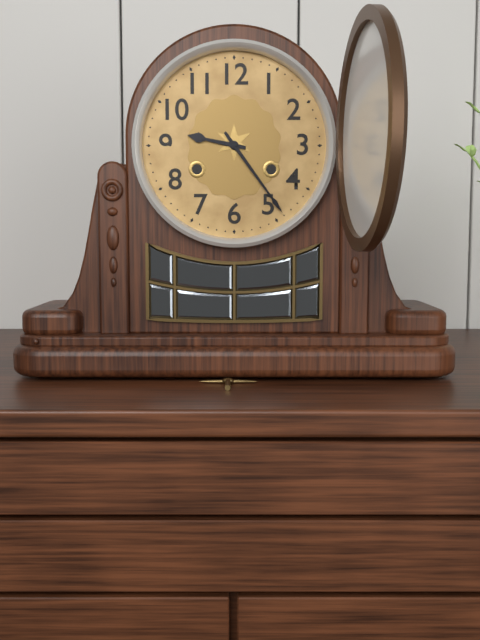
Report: {"hour": 9, "minute": 24}
